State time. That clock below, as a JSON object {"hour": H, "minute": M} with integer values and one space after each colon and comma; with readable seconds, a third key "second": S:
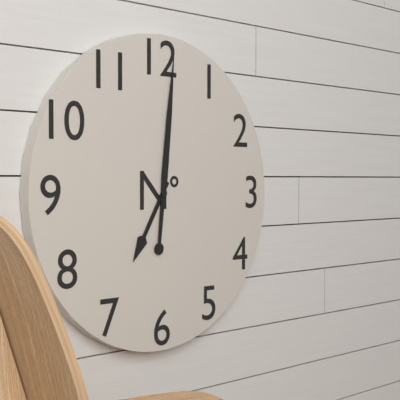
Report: {"hour": 7, "minute": 1}
